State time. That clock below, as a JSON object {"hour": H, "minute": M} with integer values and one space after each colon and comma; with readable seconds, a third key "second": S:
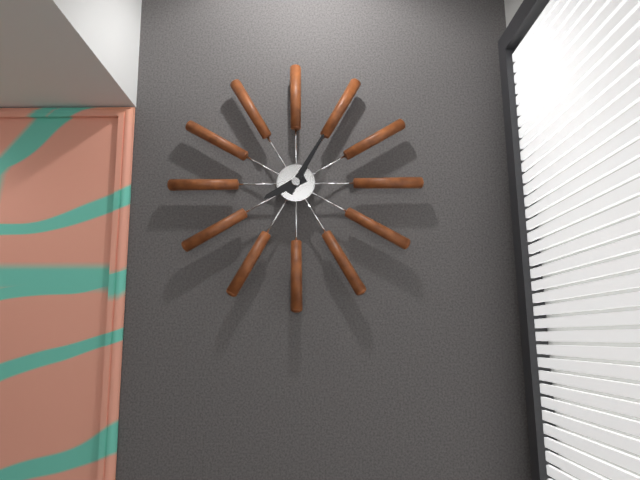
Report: {"hour": 8, "minute": 5}
